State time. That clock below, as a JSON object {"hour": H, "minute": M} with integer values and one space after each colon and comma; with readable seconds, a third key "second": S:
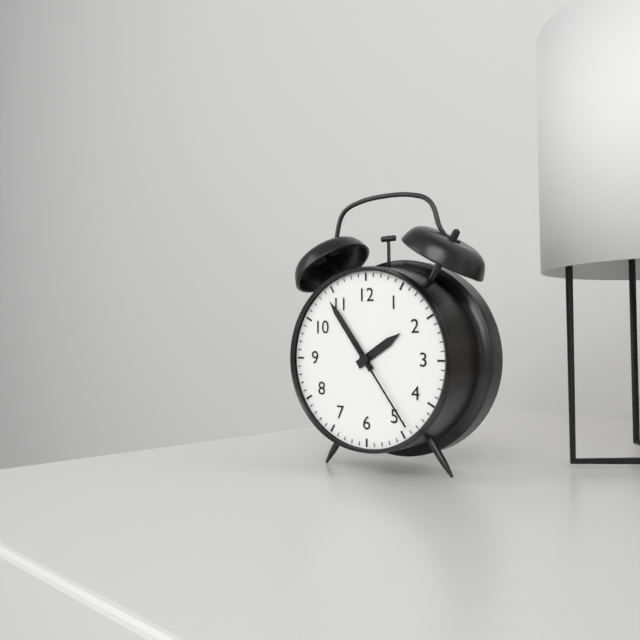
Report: {"hour": 1, "minute": 54, "second": 24}
